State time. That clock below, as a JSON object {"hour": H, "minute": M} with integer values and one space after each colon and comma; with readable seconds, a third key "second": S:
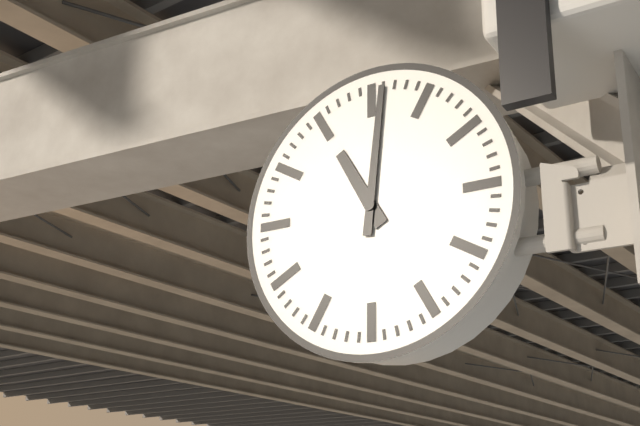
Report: {"hour": 11, "minute": 1}
